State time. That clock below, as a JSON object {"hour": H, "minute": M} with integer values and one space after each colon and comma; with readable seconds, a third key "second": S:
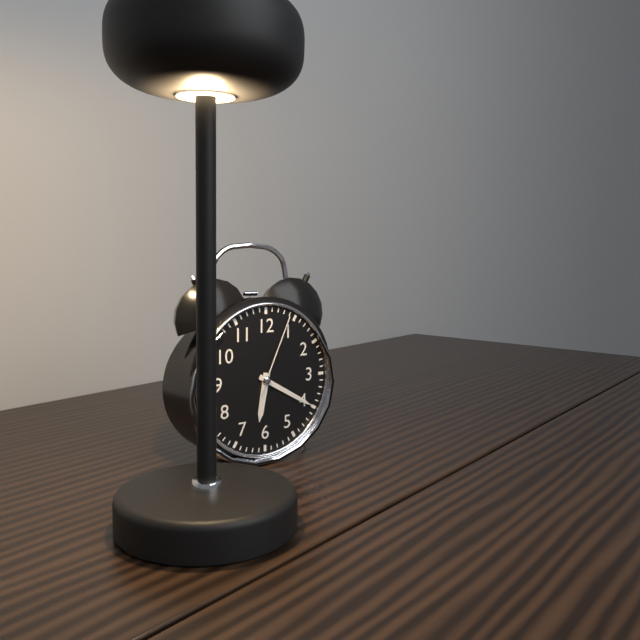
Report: {"hour": 6, "minute": 20, "second": 4}
